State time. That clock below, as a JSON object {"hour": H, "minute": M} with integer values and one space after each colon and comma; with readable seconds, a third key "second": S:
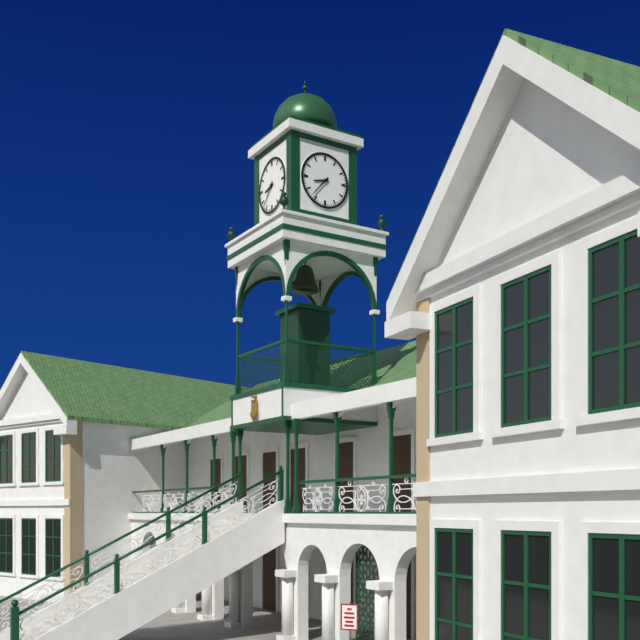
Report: {"hour": 8, "minute": 37}
